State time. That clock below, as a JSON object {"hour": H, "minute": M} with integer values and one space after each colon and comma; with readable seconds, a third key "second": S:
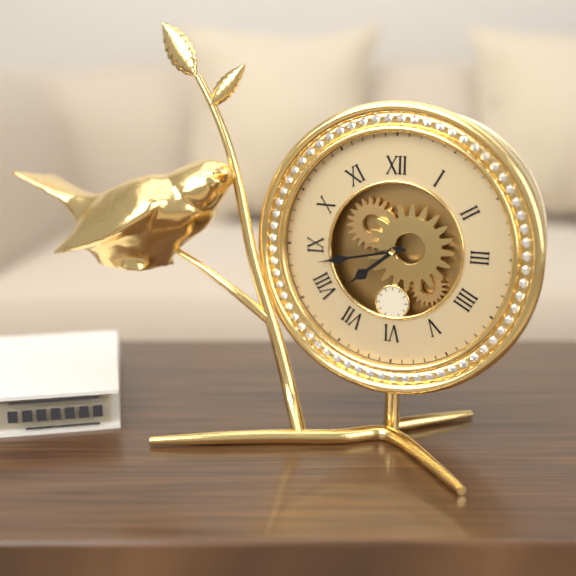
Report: {"hour": 7, "minute": 43}
